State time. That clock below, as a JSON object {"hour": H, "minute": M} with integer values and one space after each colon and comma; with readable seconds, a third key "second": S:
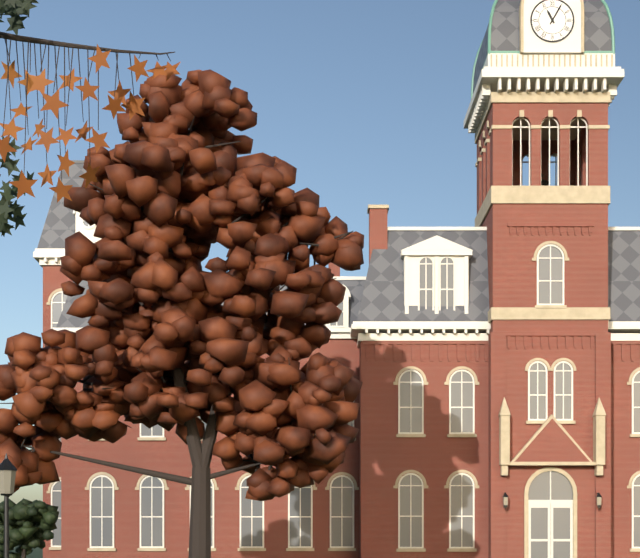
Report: {"hour": 11, "minute": 5}
